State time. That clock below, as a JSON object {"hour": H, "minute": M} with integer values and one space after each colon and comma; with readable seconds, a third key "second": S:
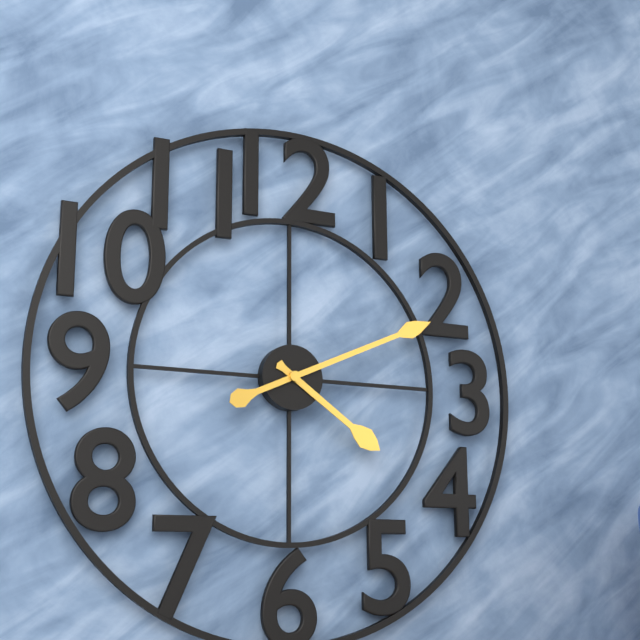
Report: {"hour": 4, "minute": 11}
